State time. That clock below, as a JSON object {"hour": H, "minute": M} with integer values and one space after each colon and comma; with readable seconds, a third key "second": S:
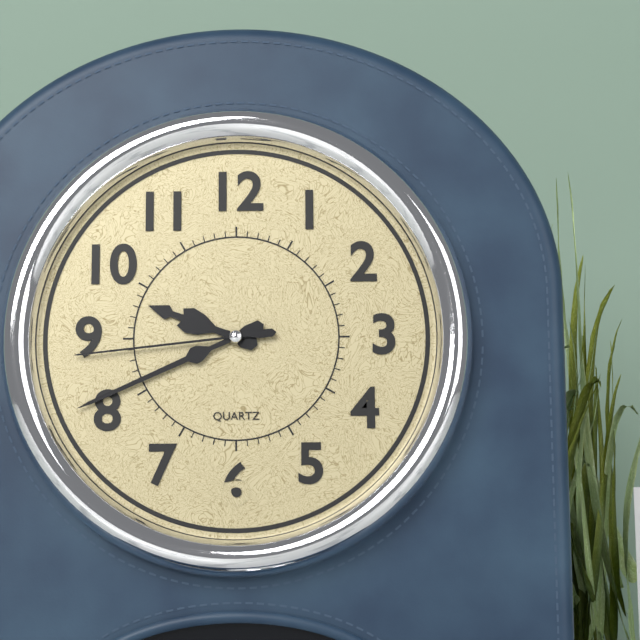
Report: {"hour": 9, "minute": 41, "second": 44}
